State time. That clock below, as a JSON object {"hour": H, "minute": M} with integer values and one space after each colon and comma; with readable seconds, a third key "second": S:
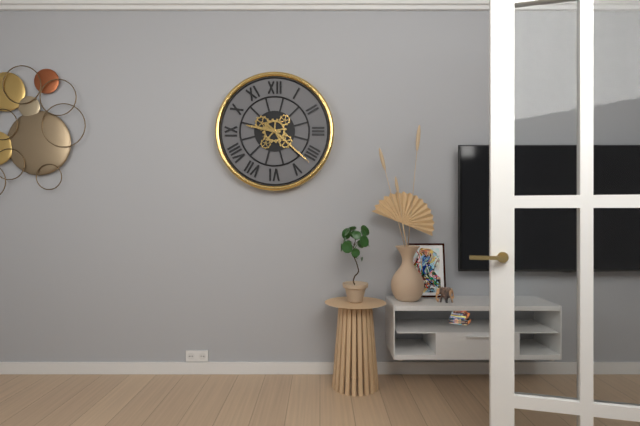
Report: {"hour": 9, "minute": 22}
